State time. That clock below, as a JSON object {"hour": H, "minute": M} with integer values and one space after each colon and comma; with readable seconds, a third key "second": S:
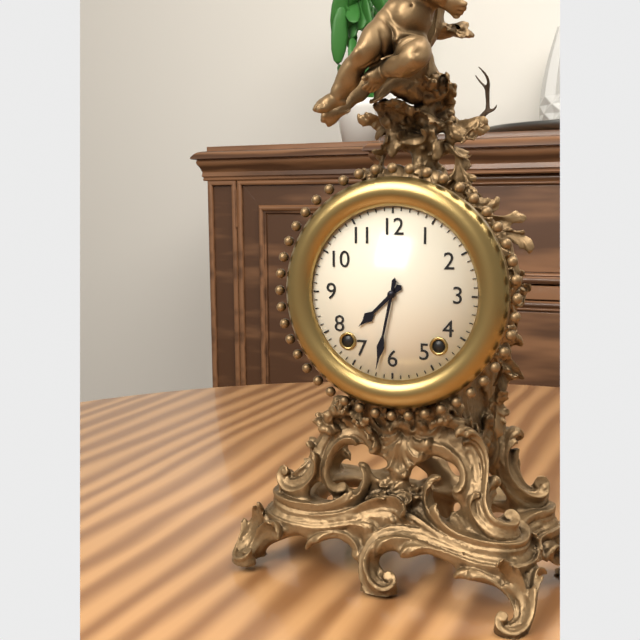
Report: {"hour": 7, "minute": 32}
